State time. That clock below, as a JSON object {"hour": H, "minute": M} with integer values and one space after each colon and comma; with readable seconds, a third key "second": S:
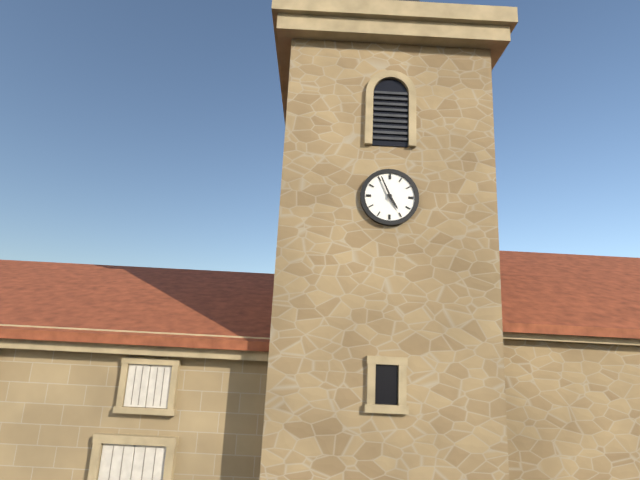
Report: {"hour": 4, "minute": 56}
